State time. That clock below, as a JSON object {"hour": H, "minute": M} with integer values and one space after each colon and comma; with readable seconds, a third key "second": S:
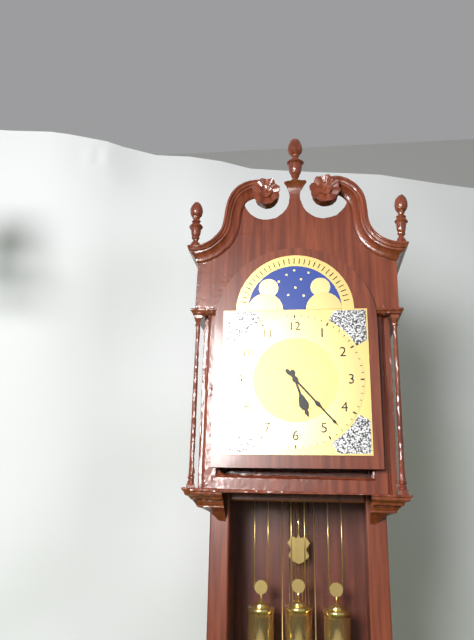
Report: {"hour": 5, "minute": 23}
